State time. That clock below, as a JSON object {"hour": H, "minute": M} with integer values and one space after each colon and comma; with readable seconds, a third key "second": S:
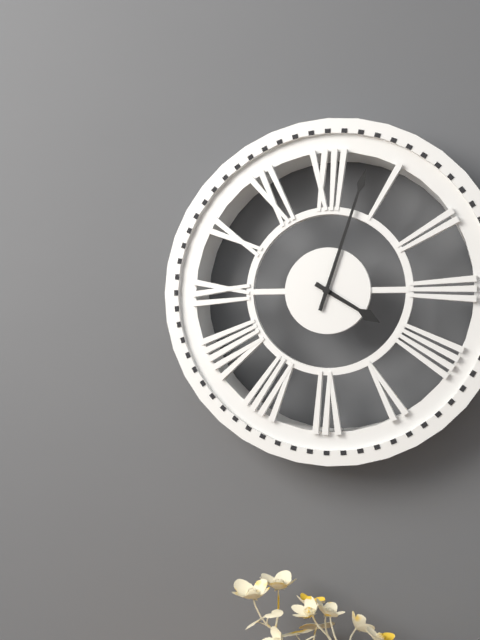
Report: {"hour": 4, "minute": 3}
